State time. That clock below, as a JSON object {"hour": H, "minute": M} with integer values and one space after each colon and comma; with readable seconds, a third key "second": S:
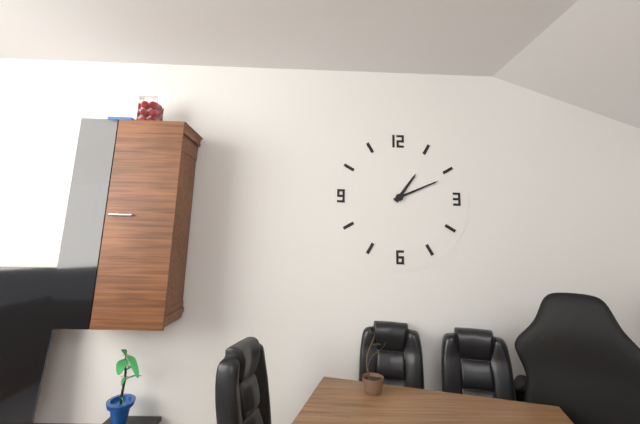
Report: {"hour": 1, "minute": 11}
